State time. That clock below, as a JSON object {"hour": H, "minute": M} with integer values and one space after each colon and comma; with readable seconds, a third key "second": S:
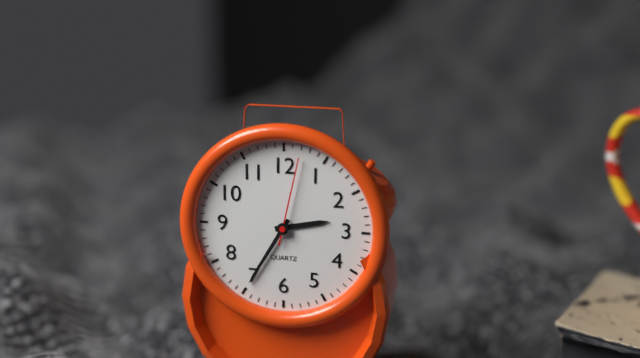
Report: {"hour": 2, "minute": 35, "second": 2}
